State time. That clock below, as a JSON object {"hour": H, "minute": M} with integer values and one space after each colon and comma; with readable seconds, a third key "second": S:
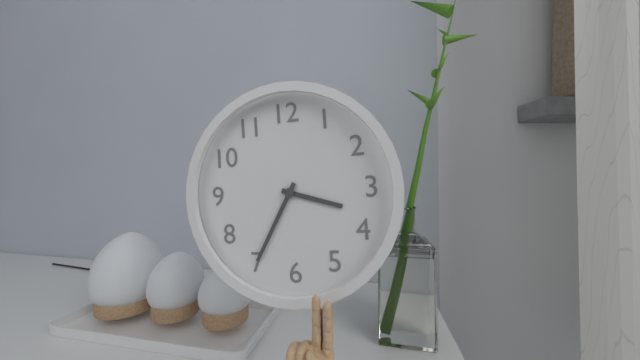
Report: {"hour": 3, "minute": 35}
